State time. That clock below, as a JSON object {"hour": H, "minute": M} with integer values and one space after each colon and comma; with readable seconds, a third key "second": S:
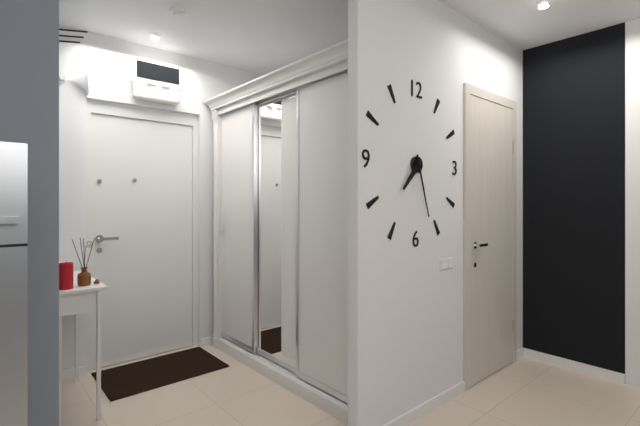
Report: {"hour": 7, "minute": 27}
